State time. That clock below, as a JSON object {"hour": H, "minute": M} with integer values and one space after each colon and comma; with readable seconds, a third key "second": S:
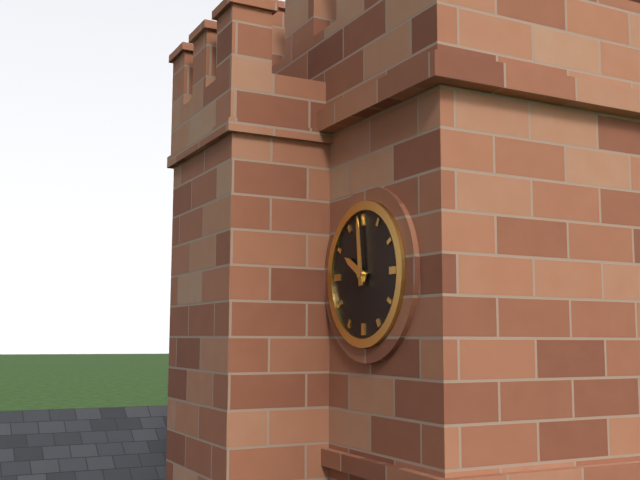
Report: {"hour": 9, "minute": 59}
